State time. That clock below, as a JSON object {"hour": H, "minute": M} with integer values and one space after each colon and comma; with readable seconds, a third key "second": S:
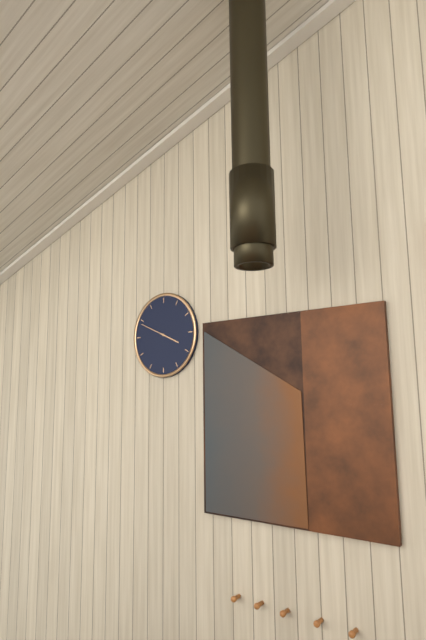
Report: {"hour": 3, "minute": 49}
